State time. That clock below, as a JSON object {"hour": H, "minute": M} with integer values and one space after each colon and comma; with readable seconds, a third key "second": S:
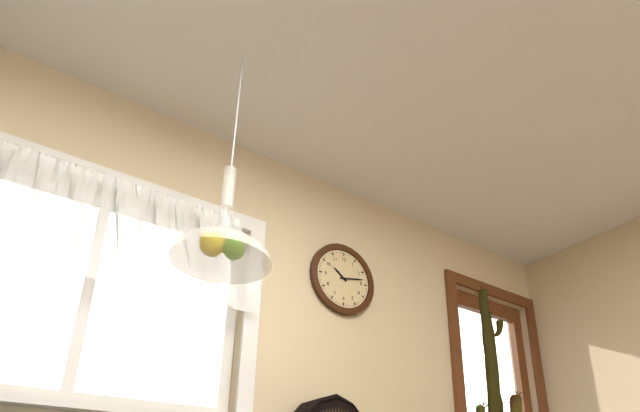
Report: {"hour": 10, "minute": 13}
